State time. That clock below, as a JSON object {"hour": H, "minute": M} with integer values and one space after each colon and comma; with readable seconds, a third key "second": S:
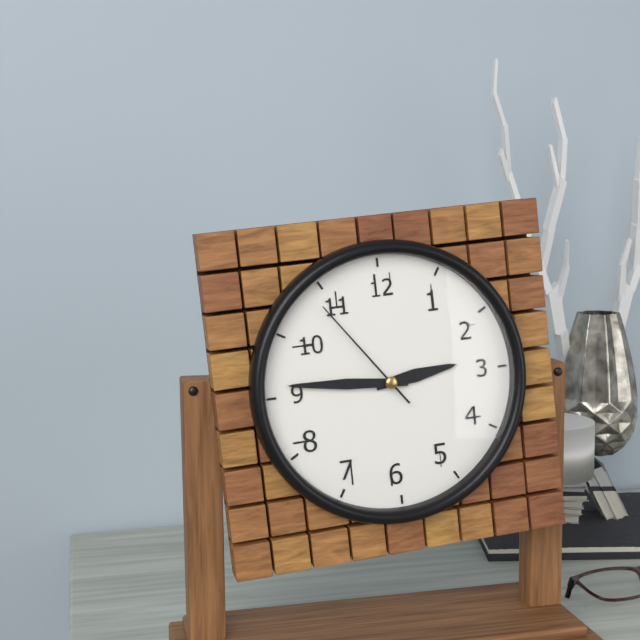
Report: {"hour": 2, "minute": 46, "second": 54}
